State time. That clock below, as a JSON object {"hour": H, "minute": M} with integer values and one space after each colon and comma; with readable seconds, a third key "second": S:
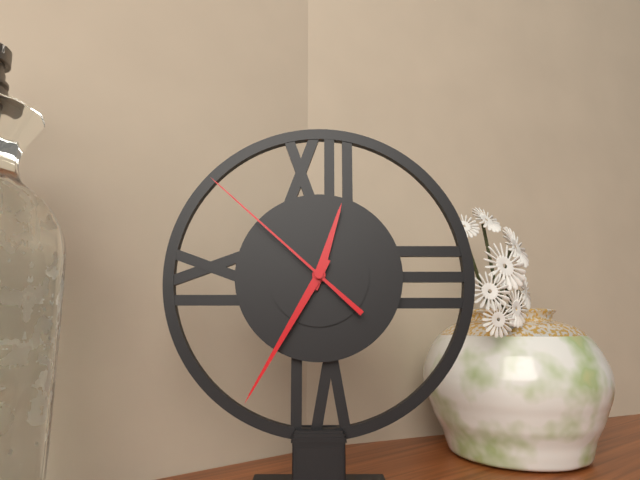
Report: {"hour": 12, "minute": 35, "second": 52}
